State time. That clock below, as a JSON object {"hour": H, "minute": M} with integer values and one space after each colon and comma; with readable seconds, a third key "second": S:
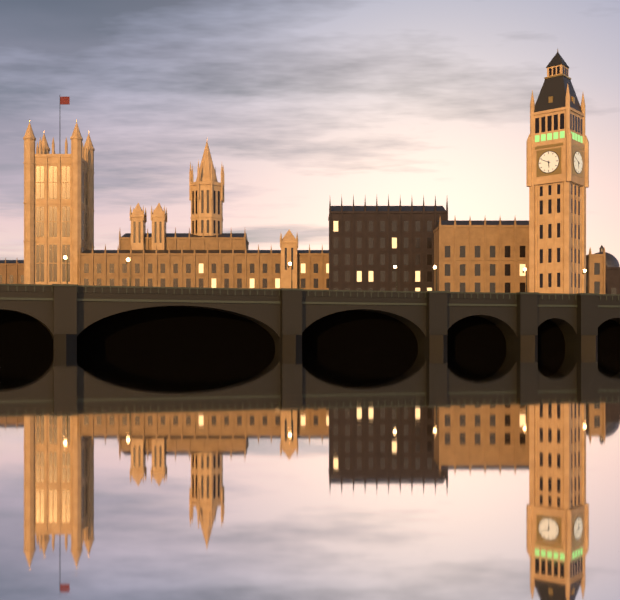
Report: {"hour": 5, "minute": 49}
